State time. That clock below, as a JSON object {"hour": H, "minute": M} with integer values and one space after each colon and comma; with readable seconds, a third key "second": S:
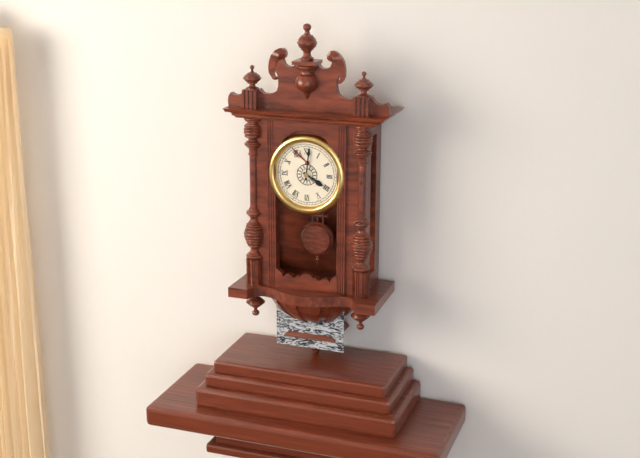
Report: {"hour": 4, "minute": 1}
